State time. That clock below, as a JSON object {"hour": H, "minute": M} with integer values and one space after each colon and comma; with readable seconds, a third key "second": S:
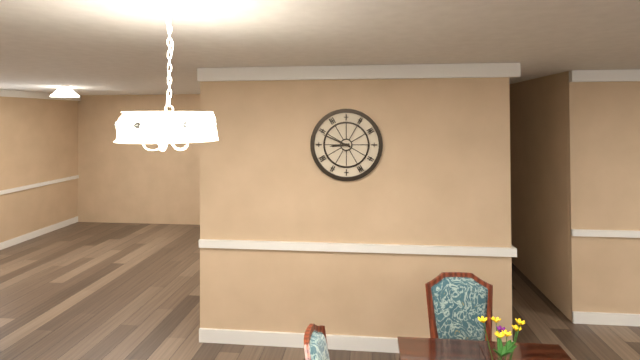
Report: {"hour": 8, "minute": 49}
